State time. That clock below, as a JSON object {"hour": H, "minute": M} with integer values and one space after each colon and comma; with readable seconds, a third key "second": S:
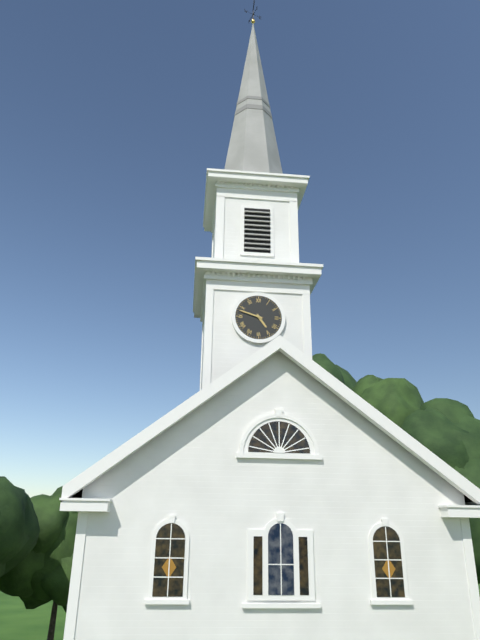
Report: {"hour": 4, "minute": 48}
